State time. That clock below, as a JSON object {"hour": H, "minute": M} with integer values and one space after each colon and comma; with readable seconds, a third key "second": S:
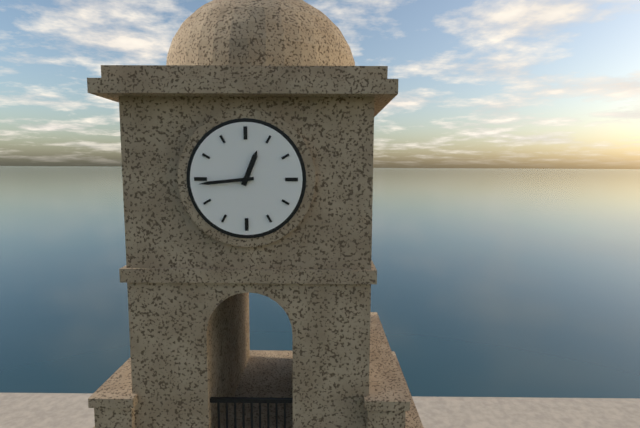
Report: {"hour": 12, "minute": 44}
